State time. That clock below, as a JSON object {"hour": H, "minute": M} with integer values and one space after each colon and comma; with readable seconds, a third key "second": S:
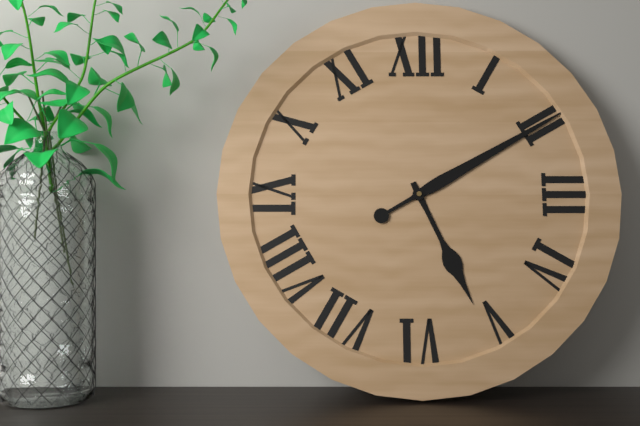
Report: {"hour": 5, "minute": 10}
